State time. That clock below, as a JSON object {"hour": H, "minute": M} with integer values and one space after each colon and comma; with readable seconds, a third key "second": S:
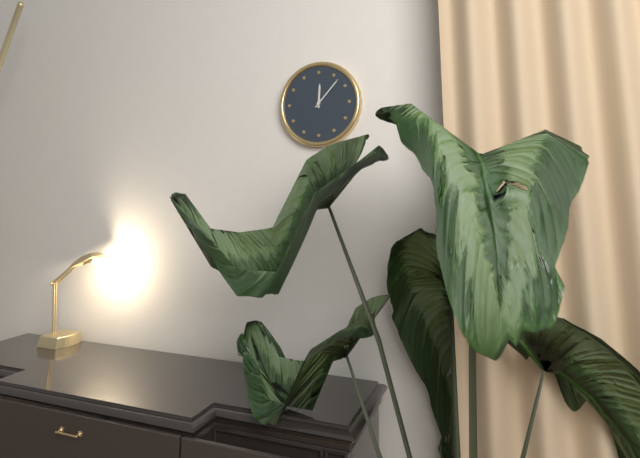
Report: {"hour": 12, "minute": 7}
